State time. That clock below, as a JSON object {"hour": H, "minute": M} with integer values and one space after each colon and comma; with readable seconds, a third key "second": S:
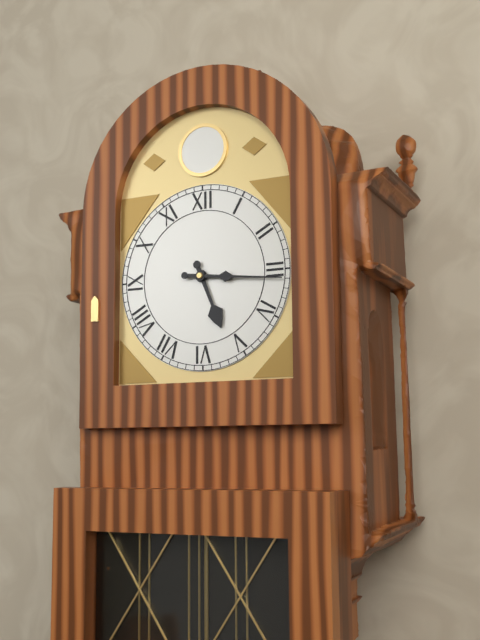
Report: {"hour": 5, "minute": 16}
